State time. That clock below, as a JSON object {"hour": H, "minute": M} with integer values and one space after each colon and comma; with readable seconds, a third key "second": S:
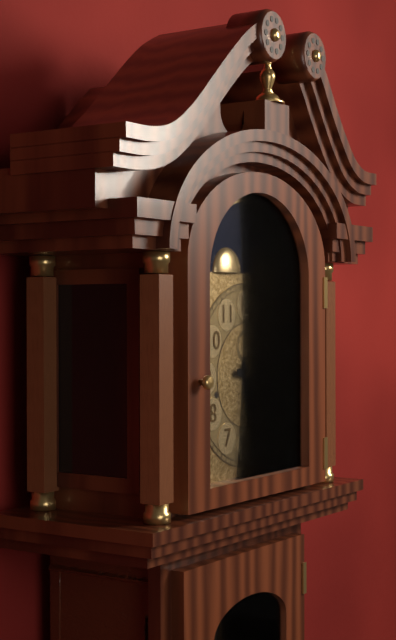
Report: {"hour": 5, "minute": 17}
